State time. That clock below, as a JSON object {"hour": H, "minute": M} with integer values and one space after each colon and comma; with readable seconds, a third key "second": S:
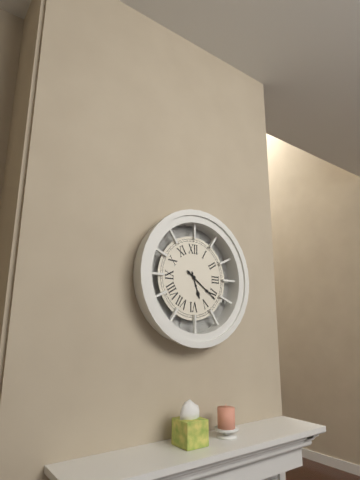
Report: {"hour": 5, "minute": 21}
